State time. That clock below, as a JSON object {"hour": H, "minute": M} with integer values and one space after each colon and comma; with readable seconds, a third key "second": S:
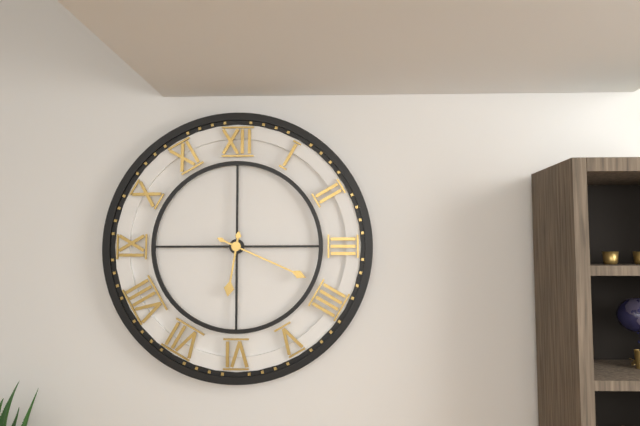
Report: {"hour": 6, "minute": 19}
